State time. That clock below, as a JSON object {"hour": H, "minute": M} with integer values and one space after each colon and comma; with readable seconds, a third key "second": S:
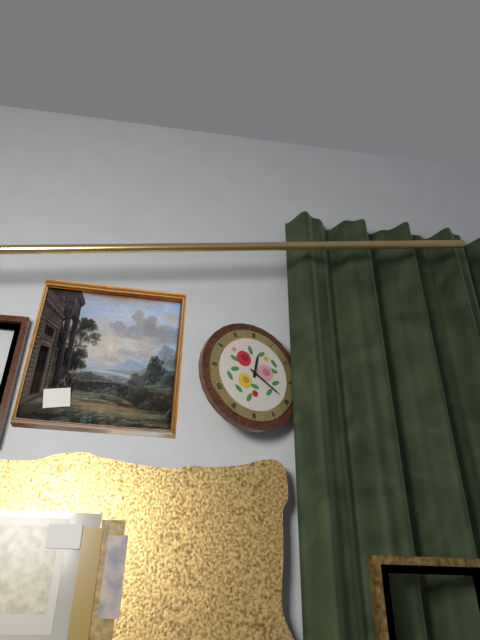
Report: {"hour": 12, "minute": 20}
